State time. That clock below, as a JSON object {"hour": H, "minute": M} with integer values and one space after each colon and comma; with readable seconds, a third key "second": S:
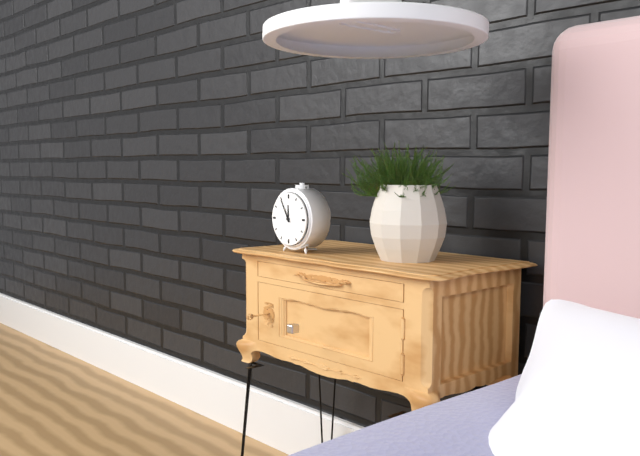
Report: {"hour": 11, "minute": 55}
